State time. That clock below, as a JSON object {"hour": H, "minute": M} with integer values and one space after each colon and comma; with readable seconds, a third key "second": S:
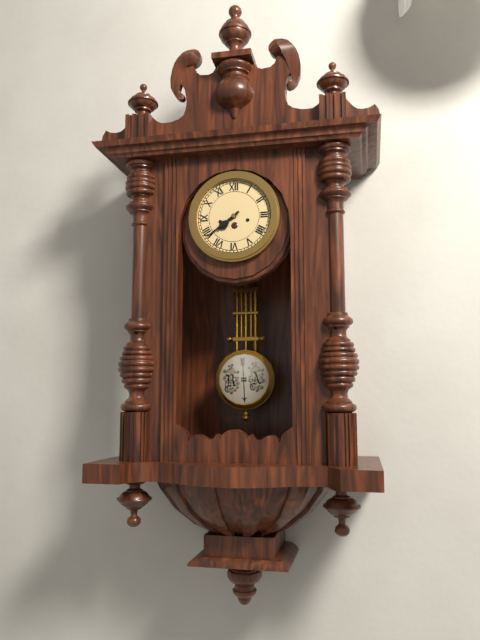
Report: {"hour": 7, "minute": 39}
